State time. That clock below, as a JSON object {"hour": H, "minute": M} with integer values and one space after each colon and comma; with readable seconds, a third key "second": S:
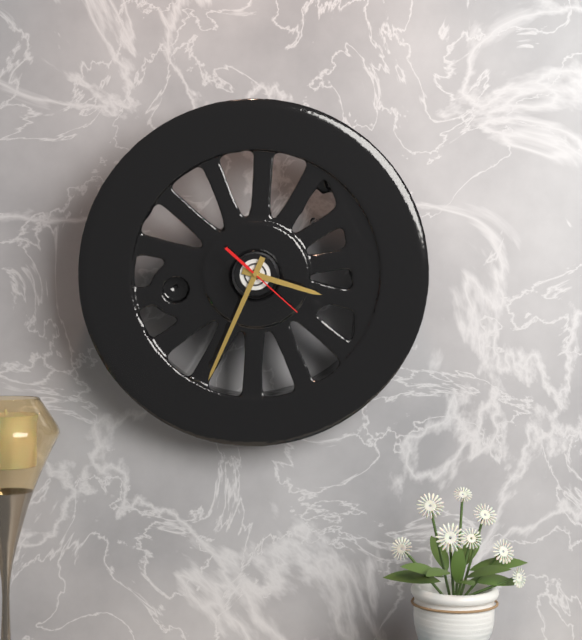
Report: {"hour": 3, "minute": 34, "second": 22}
